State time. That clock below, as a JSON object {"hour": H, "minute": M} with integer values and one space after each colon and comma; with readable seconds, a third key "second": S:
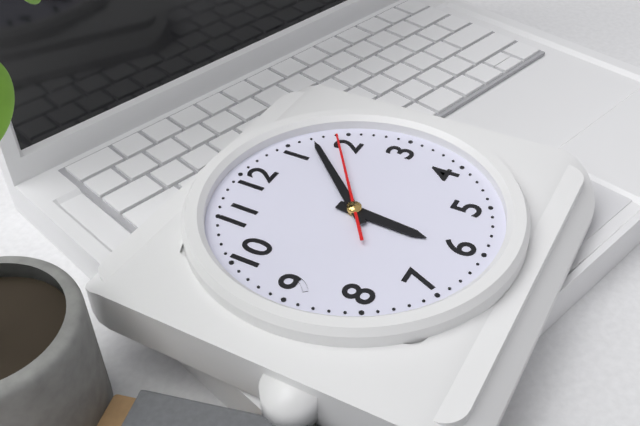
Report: {"hour": 6, "minute": 7, "second": 9}
